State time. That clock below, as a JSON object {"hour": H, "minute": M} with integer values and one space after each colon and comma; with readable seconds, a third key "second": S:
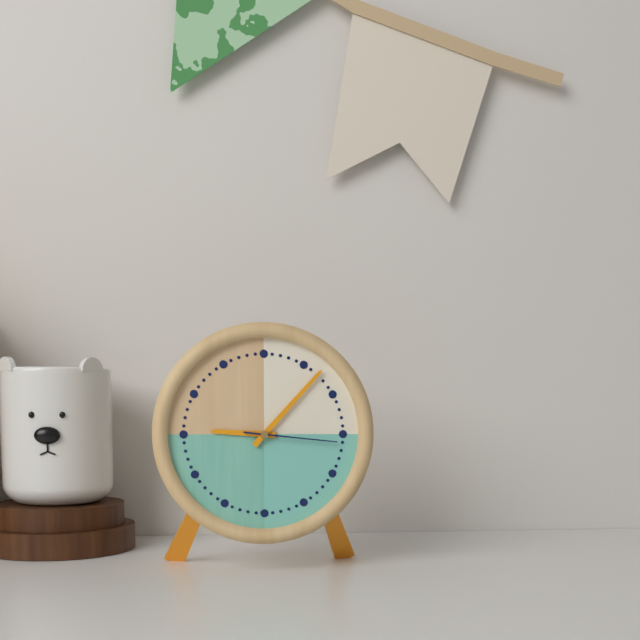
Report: {"hour": 9, "minute": 7, "second": 16}
